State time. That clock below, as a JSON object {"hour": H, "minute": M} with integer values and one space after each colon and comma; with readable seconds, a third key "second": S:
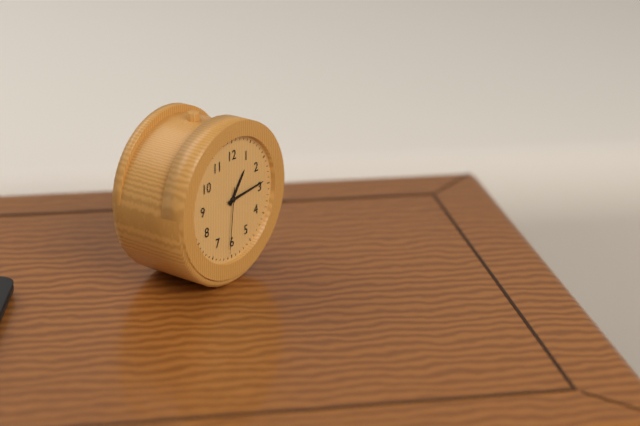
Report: {"hour": 1, "minute": 14, "second": 31}
